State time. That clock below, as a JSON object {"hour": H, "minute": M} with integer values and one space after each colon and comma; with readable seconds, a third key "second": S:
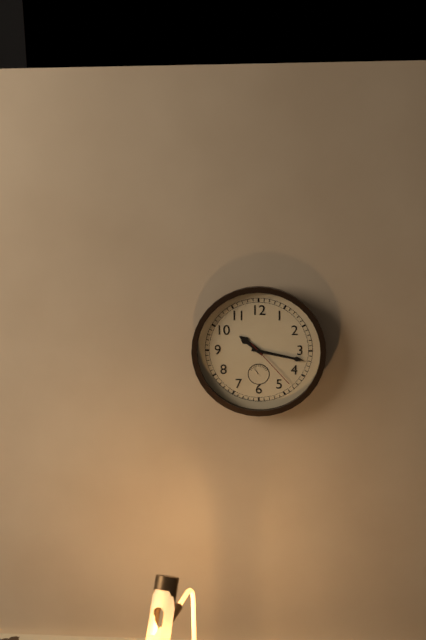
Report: {"hour": 10, "minute": 17, "second": 23}
